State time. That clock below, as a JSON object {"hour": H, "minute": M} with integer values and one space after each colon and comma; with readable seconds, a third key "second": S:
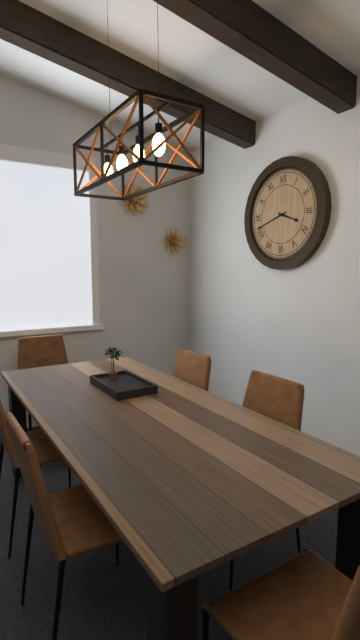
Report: {"hour": 3, "minute": 42}
